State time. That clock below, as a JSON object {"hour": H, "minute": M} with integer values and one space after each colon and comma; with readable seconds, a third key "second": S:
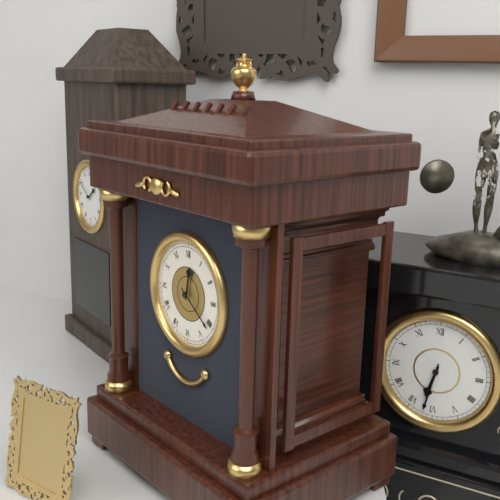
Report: {"hour": 12, "minute": 21}
